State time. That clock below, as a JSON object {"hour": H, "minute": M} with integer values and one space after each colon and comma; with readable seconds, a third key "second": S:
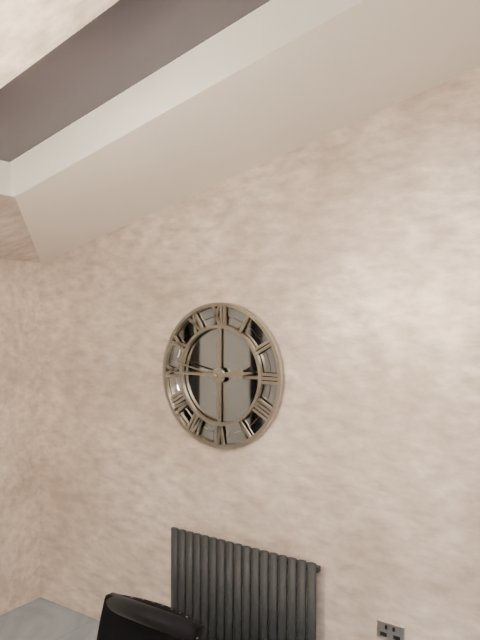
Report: {"hour": 2, "minute": 47}
